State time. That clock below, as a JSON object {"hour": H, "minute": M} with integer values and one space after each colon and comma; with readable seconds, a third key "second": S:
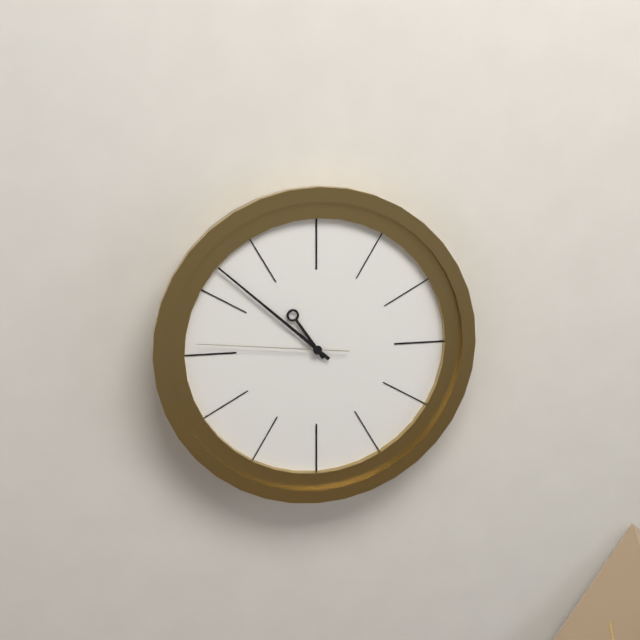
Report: {"hour": 10, "minute": 52, "second": 46}
